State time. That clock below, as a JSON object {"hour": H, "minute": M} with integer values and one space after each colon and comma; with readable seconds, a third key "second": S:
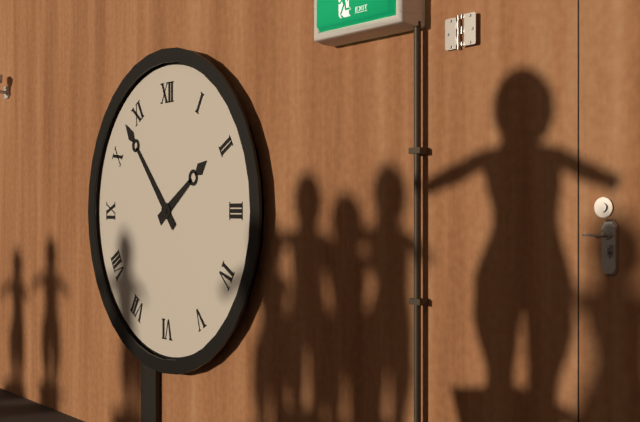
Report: {"hour": 1, "minute": 53}
